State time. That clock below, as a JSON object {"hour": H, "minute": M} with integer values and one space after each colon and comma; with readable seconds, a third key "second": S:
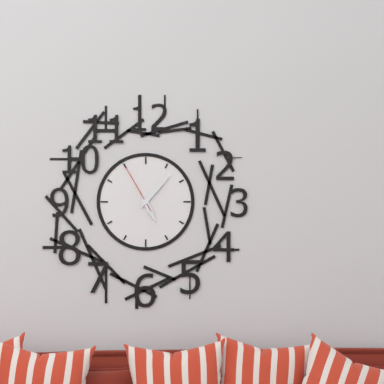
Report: {"hour": 5, "minute": 7, "second": 55}
